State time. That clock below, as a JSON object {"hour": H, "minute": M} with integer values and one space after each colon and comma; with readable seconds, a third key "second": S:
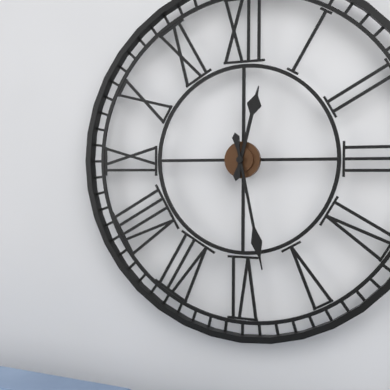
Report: {"hour": 12, "minute": 28}
